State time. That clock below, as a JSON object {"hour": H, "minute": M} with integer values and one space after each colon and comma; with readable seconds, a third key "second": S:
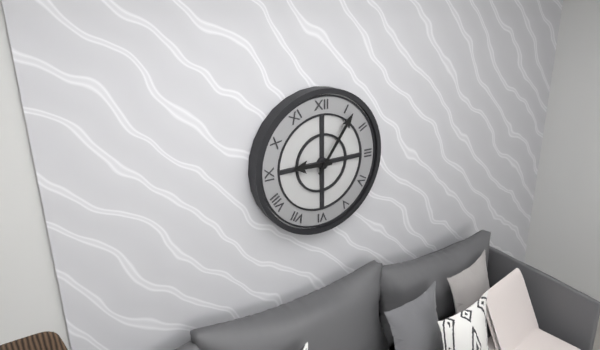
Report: {"hour": 9, "minute": 6}
